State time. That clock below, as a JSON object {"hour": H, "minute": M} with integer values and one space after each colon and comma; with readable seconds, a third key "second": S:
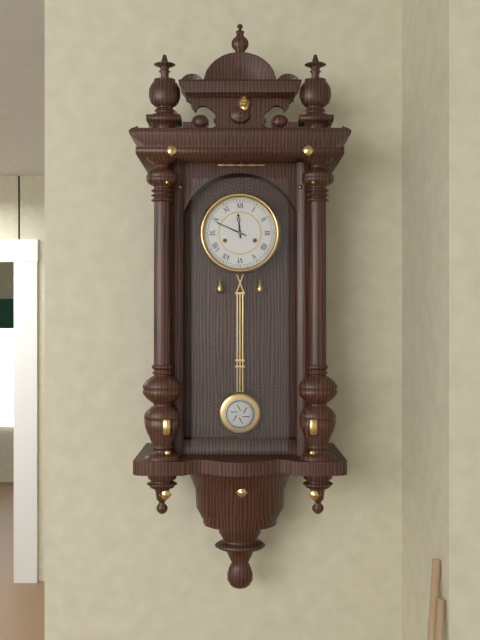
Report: {"hour": 11, "minute": 49}
